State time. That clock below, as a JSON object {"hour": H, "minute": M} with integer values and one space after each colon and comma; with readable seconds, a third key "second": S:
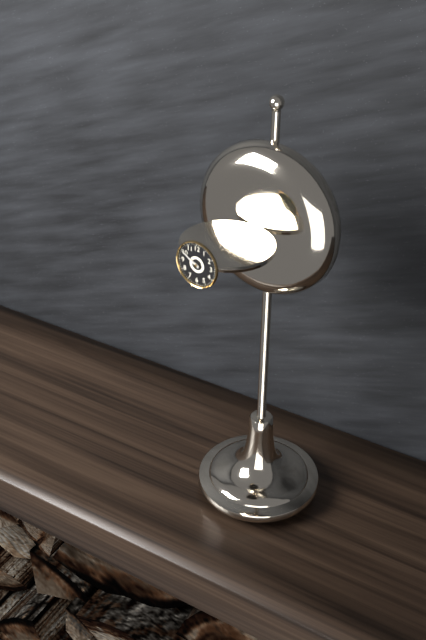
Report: {"hour": 9, "minute": 50}
